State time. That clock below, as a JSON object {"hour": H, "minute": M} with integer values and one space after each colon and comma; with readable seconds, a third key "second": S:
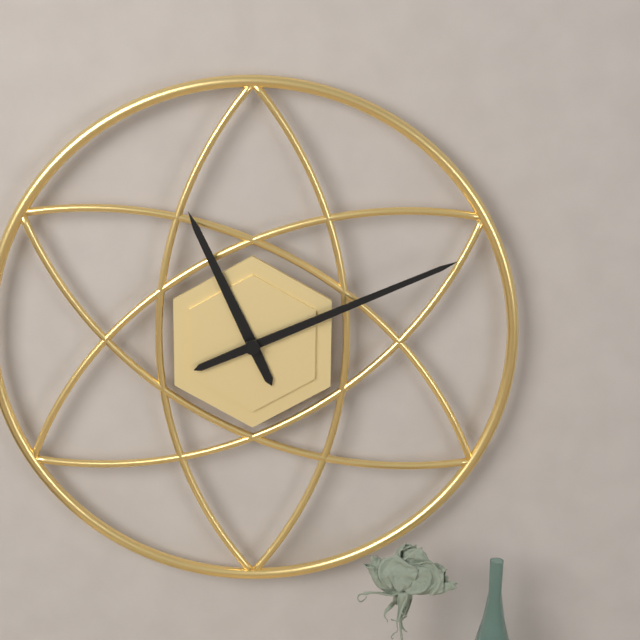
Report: {"hour": 11, "minute": 11}
